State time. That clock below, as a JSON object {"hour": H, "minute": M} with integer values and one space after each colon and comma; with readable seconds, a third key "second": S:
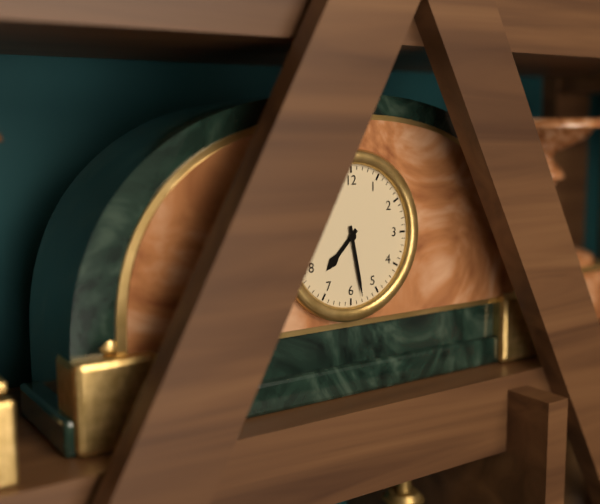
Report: {"hour": 7, "minute": 28}
